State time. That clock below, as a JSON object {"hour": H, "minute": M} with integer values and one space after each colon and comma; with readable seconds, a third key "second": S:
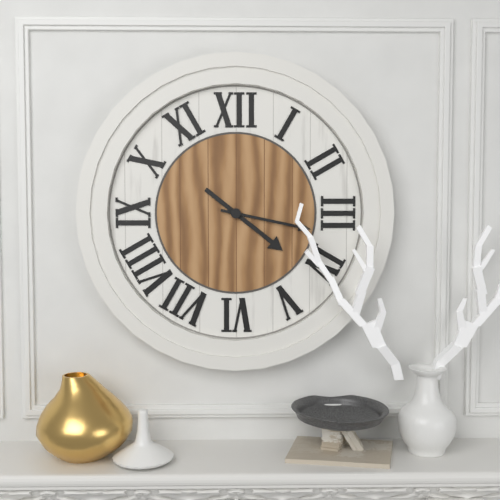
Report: {"hour": 4, "minute": 17}
